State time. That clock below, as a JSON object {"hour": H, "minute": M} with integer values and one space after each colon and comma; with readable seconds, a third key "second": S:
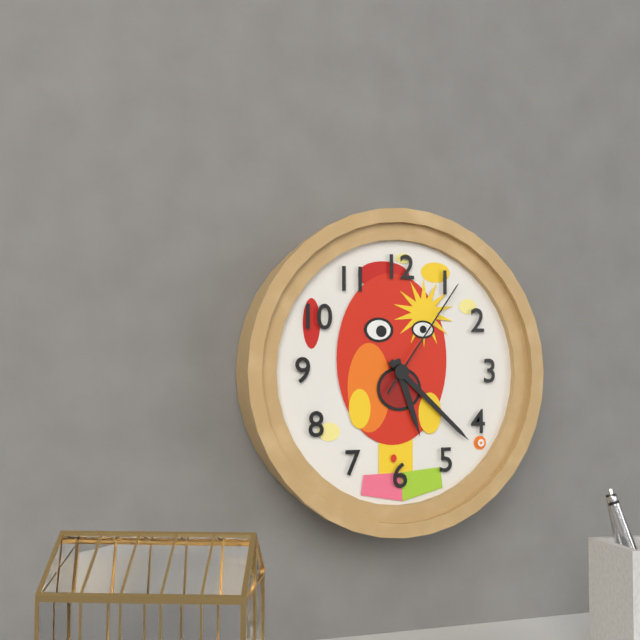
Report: {"hour": 5, "minute": 22, "second": 6}
